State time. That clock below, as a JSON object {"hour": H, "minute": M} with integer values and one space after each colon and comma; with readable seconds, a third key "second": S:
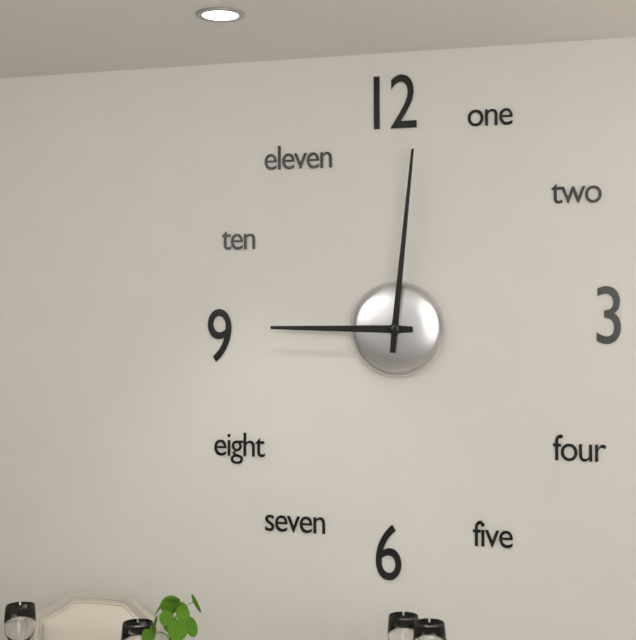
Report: {"hour": 9, "minute": 1}
